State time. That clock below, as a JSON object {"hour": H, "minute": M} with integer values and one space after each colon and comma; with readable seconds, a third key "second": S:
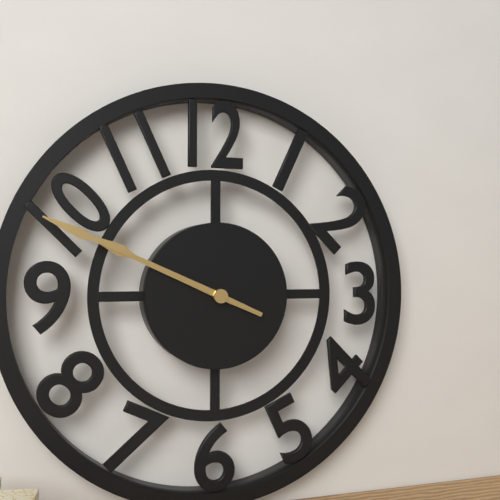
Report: {"hour": 9, "minute": 49}
